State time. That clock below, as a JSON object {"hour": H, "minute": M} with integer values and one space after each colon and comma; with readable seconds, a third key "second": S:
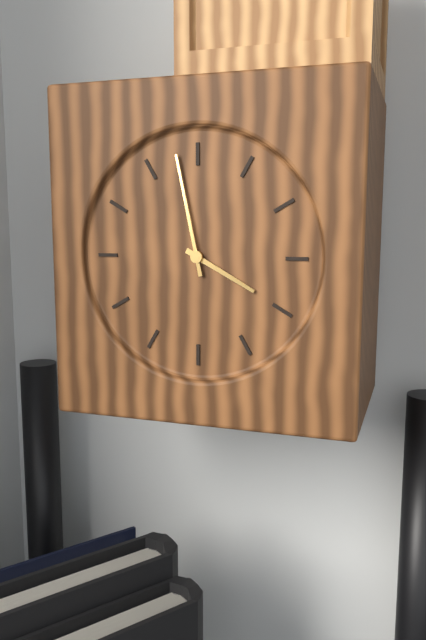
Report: {"hour": 3, "minute": 58}
